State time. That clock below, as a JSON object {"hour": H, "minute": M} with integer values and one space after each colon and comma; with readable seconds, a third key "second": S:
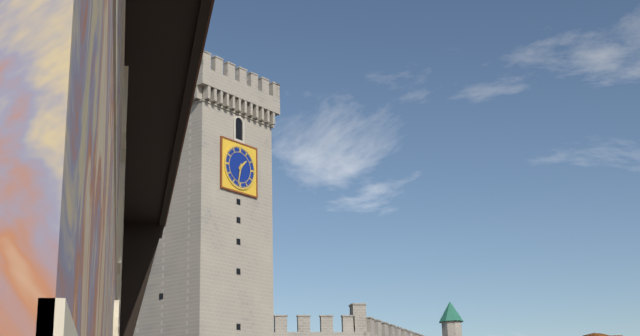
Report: {"hour": 1, "minute": 32}
